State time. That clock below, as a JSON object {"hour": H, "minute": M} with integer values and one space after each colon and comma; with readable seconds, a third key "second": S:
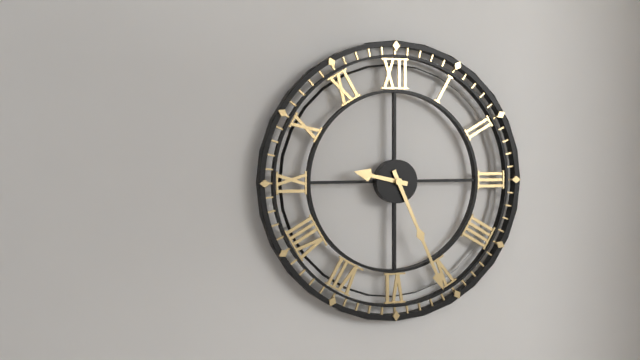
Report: {"hour": 9, "minute": 26}
